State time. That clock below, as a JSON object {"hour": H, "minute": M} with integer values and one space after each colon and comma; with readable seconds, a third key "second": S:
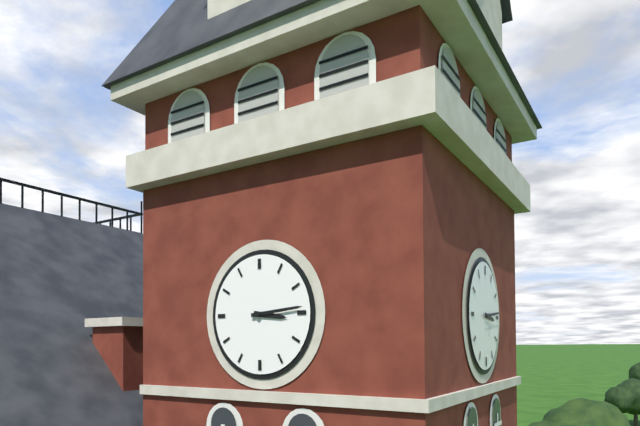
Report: {"hour": 3, "minute": 14}
